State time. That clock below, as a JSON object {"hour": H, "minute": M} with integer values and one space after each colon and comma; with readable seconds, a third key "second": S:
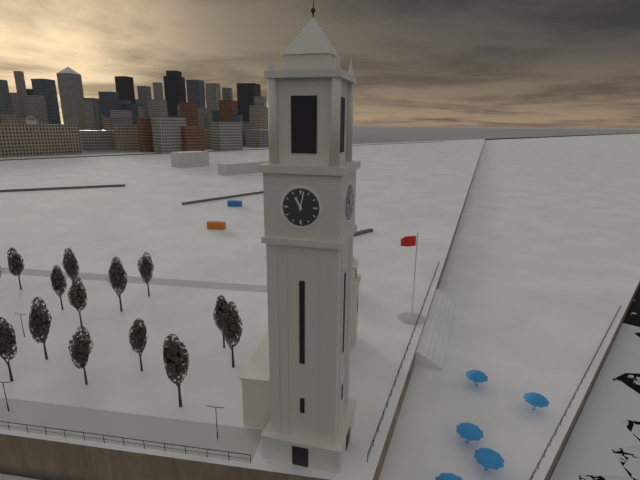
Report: {"hour": 11, "minute": 2}
